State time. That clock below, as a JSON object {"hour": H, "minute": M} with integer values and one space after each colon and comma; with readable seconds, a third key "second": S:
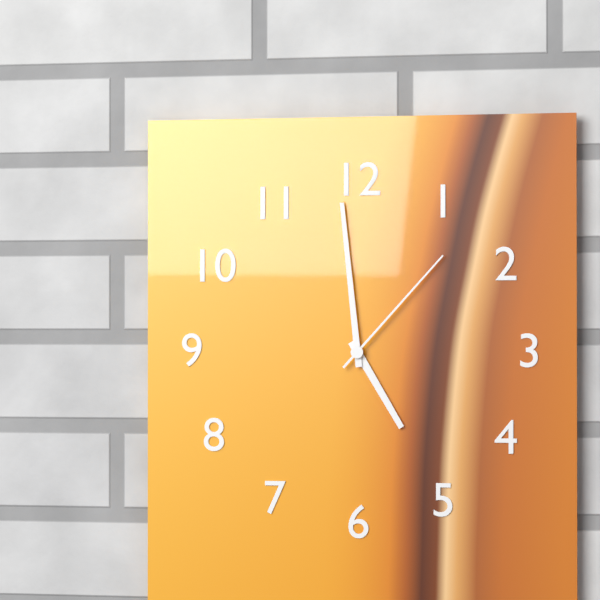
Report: {"hour": 4, "minute": 59, "second": 7}
